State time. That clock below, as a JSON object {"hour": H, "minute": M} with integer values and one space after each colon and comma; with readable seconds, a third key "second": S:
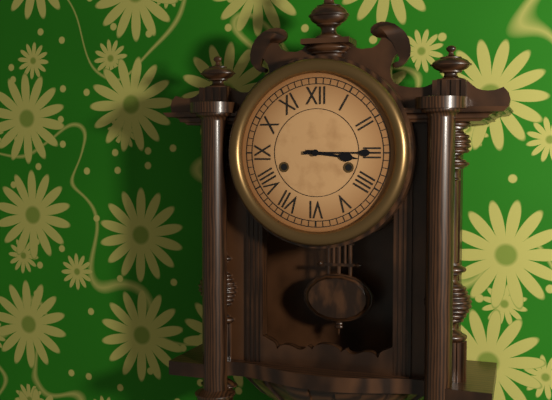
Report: {"hour": 3, "minute": 15}
